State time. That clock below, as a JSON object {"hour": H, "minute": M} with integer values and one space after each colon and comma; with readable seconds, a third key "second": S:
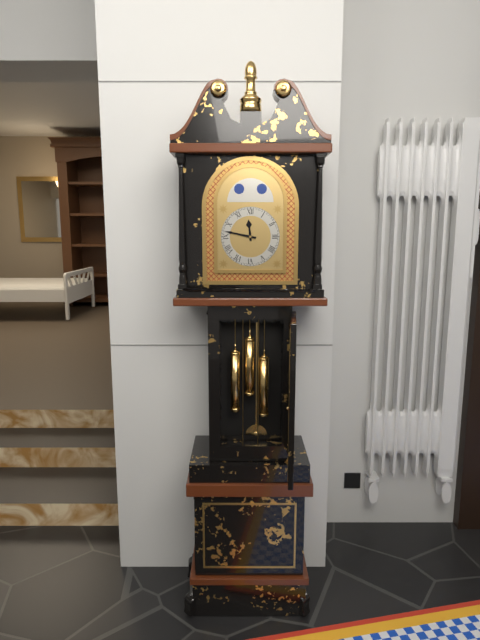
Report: {"hour": 11, "minute": 47}
